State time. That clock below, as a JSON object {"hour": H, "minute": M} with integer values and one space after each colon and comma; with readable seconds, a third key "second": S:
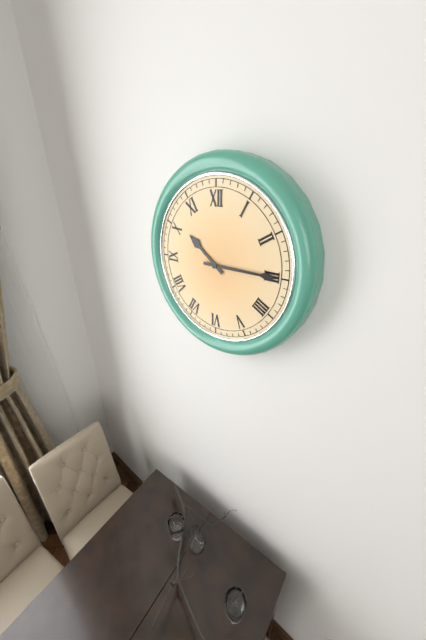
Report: {"hour": 10, "minute": 15}
